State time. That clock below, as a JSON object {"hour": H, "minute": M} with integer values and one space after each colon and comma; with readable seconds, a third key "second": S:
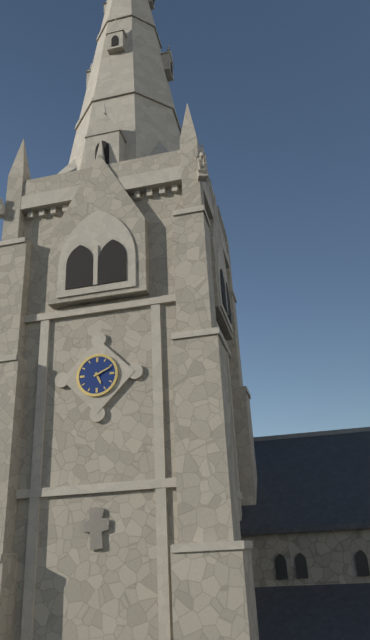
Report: {"hour": 5, "minute": 11}
